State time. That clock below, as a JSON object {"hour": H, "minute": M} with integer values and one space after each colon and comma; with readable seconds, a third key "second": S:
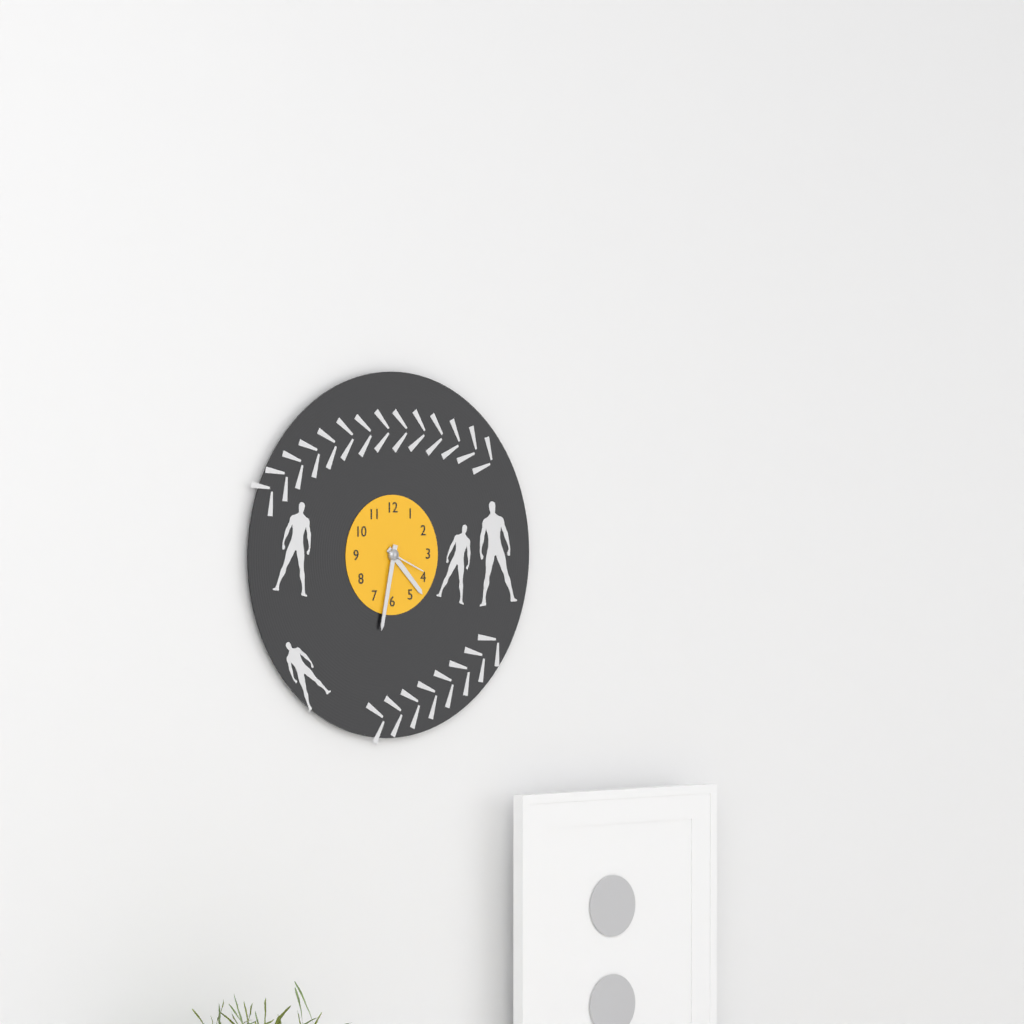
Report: {"hour": 4, "minute": 32}
